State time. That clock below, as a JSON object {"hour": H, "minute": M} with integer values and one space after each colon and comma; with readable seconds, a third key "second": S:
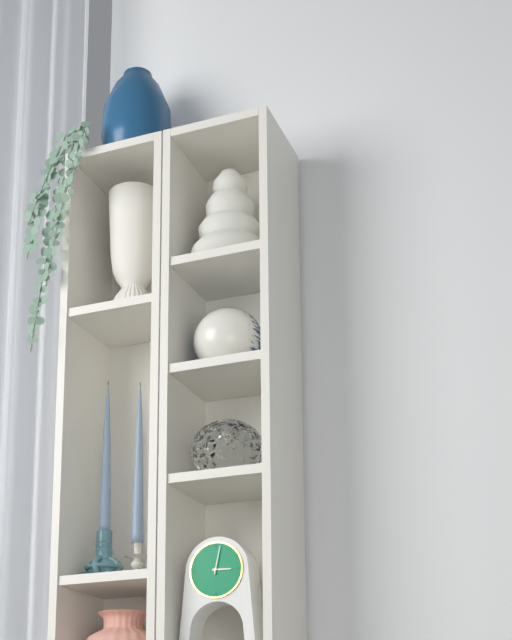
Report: {"hour": 3, "minute": 2}
